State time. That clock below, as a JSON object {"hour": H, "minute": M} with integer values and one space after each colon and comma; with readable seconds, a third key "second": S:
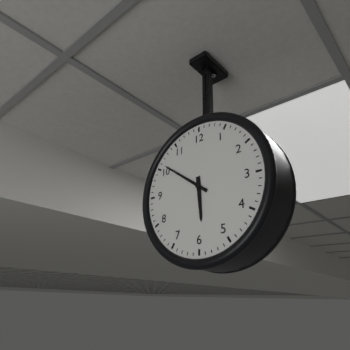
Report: {"hour": 5, "minute": 51}
